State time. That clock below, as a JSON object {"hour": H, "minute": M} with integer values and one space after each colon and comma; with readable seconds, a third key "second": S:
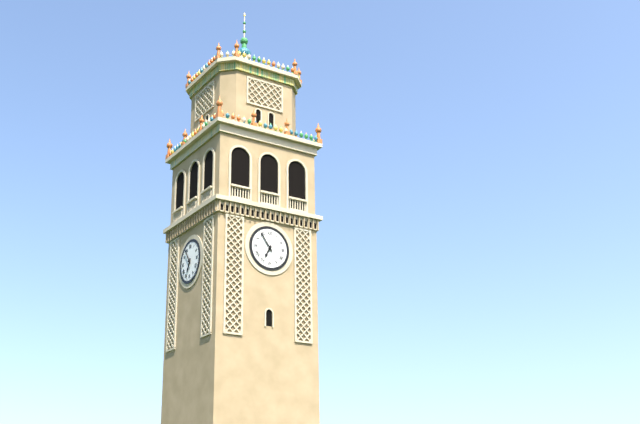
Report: {"hour": 6, "minute": 54}
